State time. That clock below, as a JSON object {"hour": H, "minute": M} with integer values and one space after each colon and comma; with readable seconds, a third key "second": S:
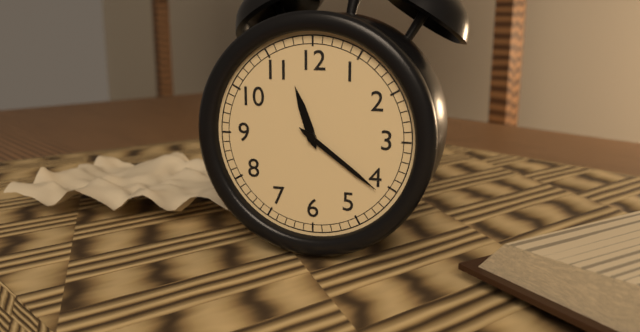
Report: {"hour": 11, "minute": 21}
